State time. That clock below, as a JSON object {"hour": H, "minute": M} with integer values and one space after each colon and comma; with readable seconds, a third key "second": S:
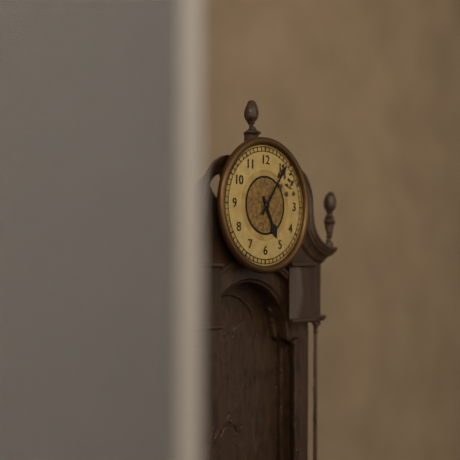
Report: {"hour": 5, "minute": 6}
